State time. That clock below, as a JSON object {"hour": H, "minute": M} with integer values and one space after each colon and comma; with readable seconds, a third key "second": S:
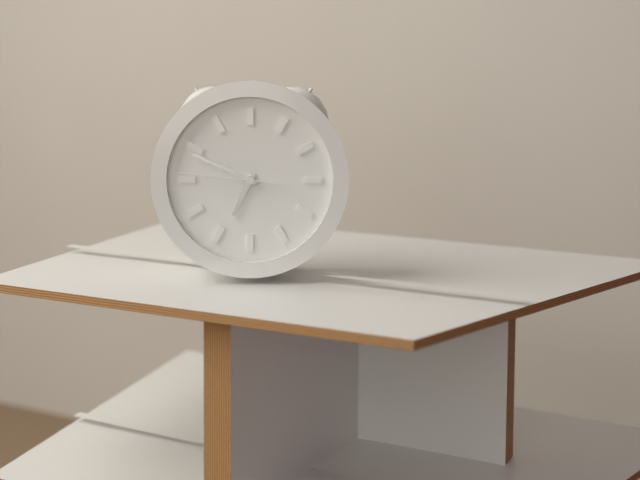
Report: {"hour": 6, "minute": 49, "second": 46}
